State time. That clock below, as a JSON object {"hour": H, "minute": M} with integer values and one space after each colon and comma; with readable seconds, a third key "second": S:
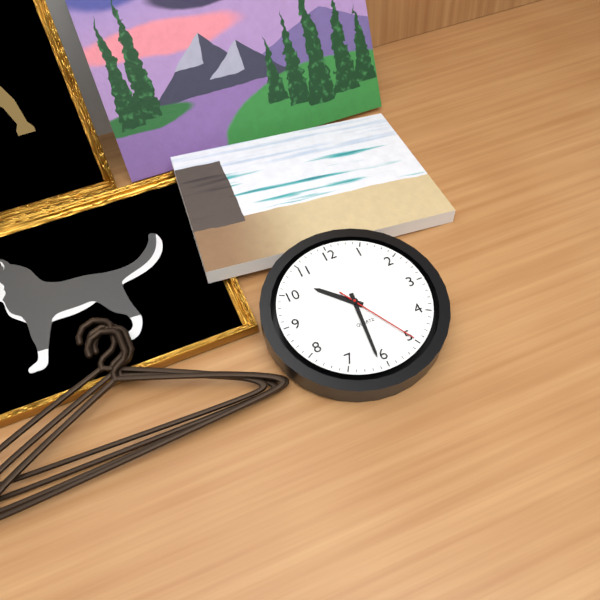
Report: {"hour": 10, "minute": 31, "second": 25}
